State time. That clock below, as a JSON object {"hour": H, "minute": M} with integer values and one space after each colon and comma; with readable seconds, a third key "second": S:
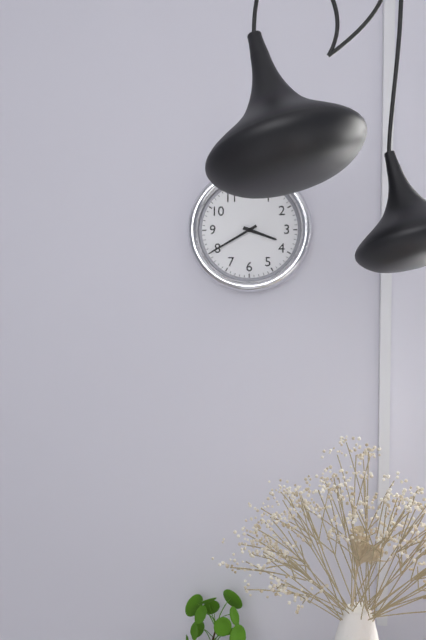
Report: {"hour": 3, "minute": 40}
